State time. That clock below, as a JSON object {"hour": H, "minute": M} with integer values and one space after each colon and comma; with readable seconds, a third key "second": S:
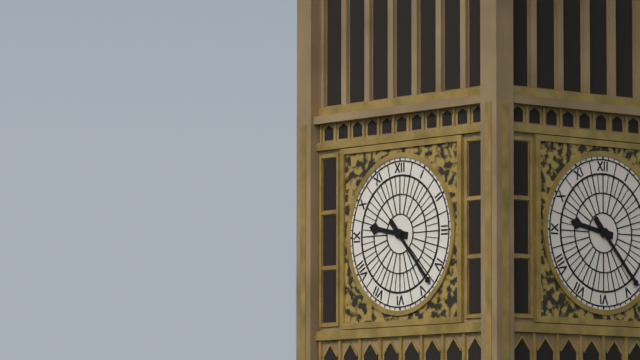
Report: {"hour": 9, "minute": 23}
